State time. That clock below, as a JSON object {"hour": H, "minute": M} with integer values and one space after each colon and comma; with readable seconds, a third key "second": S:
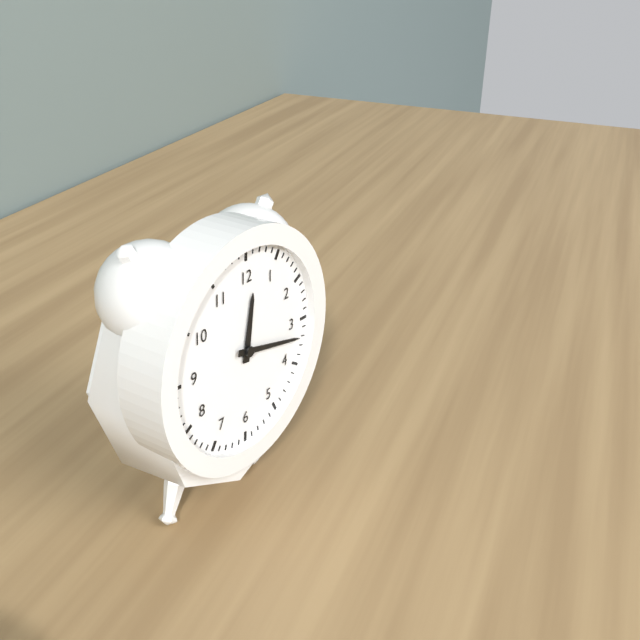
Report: {"hour": 12, "minute": 17}
